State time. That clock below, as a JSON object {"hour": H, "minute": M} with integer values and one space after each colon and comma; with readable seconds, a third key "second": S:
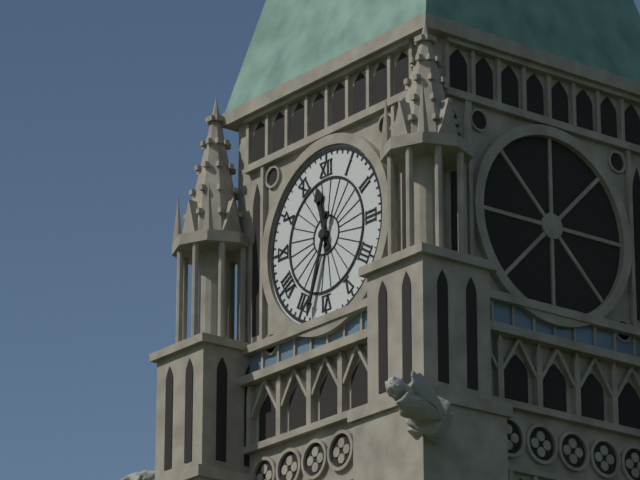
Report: {"hour": 11, "minute": 33}
